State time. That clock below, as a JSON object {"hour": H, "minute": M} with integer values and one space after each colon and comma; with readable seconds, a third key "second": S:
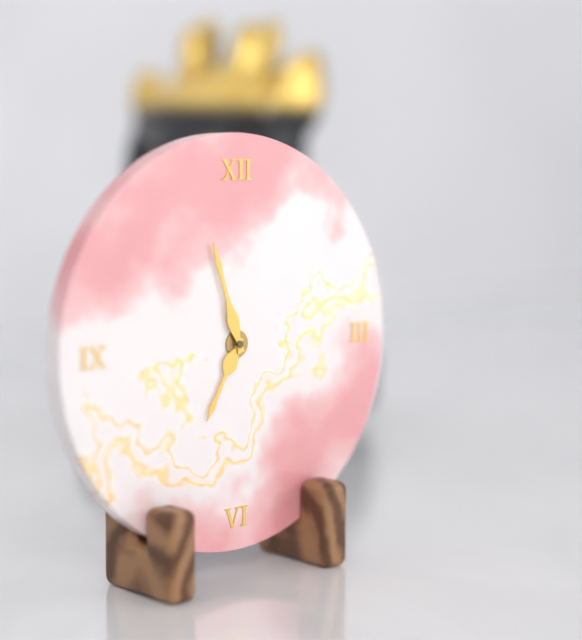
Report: {"hour": 6, "minute": 57}
